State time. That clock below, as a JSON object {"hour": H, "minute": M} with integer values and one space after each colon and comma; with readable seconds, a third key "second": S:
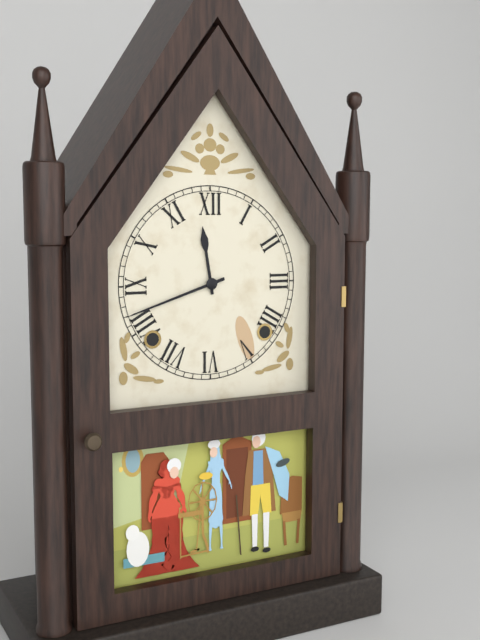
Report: {"hour": 11, "minute": 42}
